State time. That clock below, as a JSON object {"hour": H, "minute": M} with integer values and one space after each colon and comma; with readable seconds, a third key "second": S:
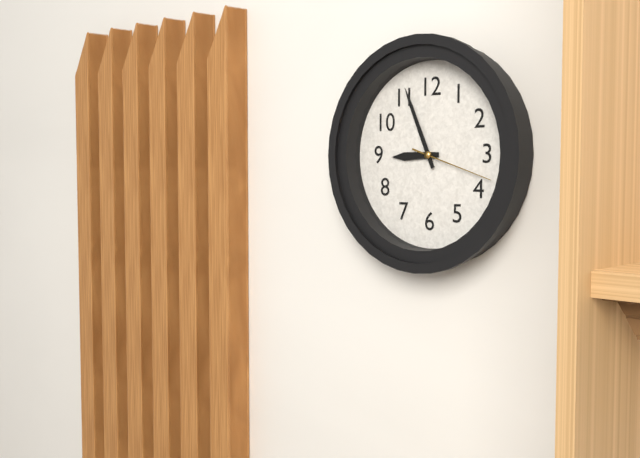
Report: {"hour": 8, "minute": 56, "second": 18}
